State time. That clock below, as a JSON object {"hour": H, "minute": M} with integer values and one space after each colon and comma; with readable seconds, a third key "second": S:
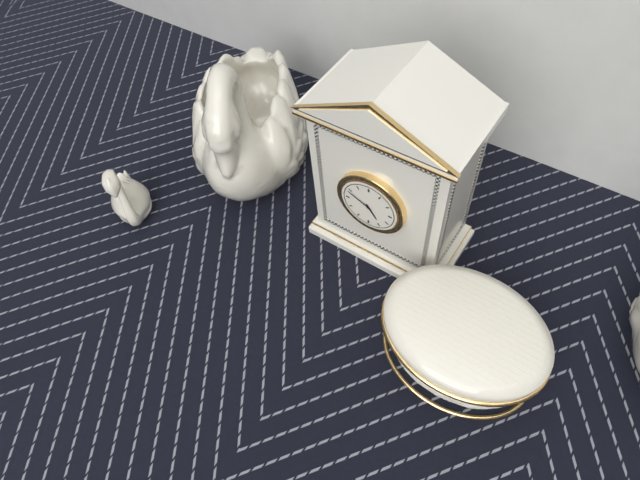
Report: {"hour": 4, "minute": 49}
